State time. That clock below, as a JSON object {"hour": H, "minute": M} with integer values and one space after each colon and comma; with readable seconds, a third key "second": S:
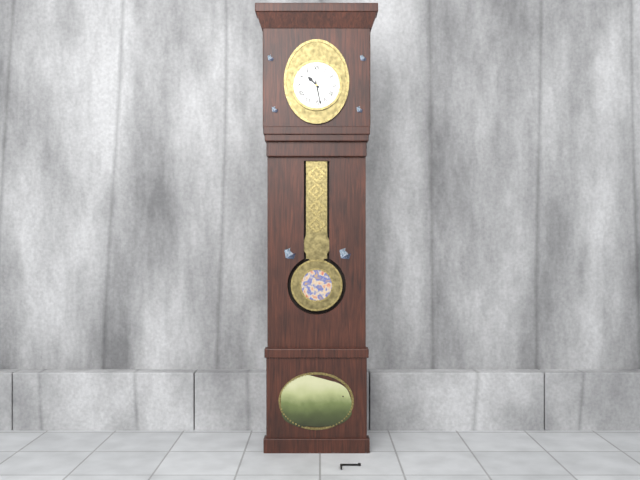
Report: {"hour": 10, "minute": 28}
